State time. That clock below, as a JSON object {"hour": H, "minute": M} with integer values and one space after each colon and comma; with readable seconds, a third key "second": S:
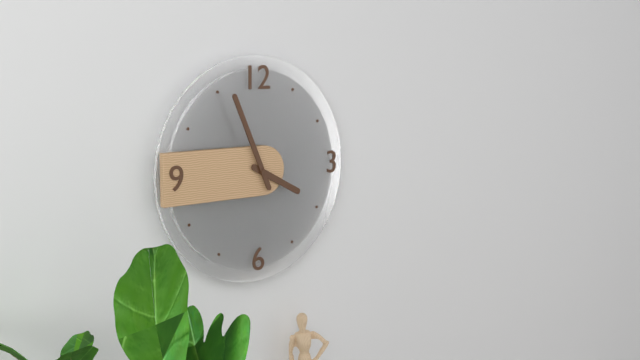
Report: {"hour": 3, "minute": 56}
